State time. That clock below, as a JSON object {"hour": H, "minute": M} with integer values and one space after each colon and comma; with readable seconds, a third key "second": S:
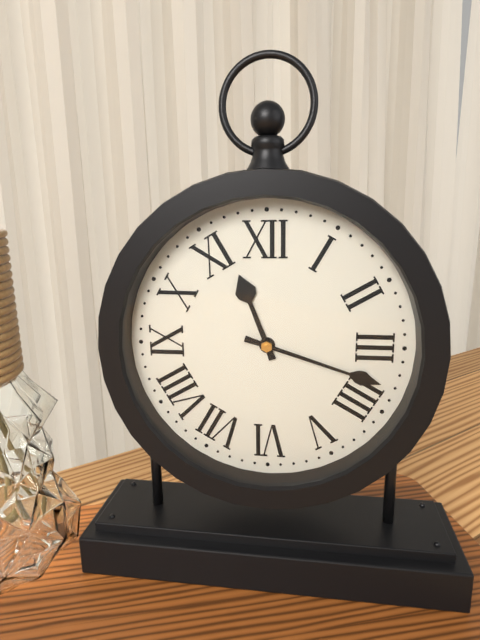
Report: {"hour": 11, "minute": 18}
